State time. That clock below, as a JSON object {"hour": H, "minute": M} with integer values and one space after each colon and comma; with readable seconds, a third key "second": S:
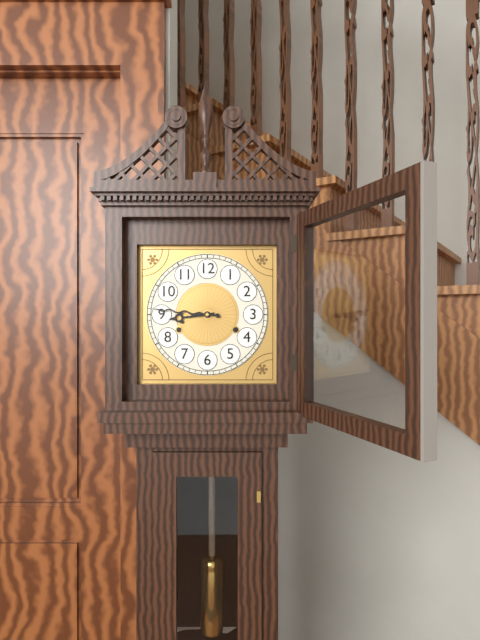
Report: {"hour": 8, "minute": 46}
